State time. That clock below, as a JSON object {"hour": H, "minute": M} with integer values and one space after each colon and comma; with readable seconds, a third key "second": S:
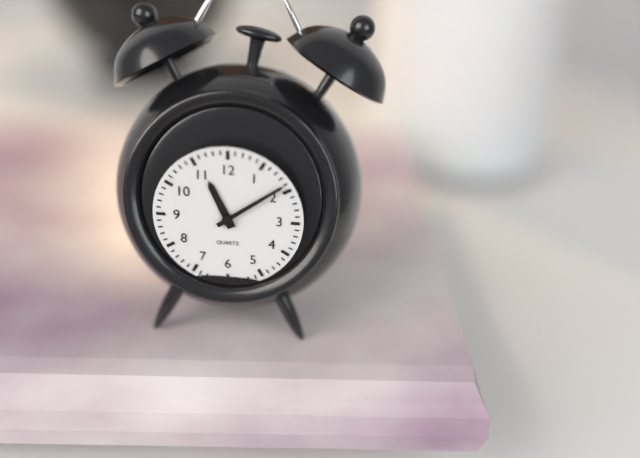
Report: {"hour": 11, "minute": 9}
